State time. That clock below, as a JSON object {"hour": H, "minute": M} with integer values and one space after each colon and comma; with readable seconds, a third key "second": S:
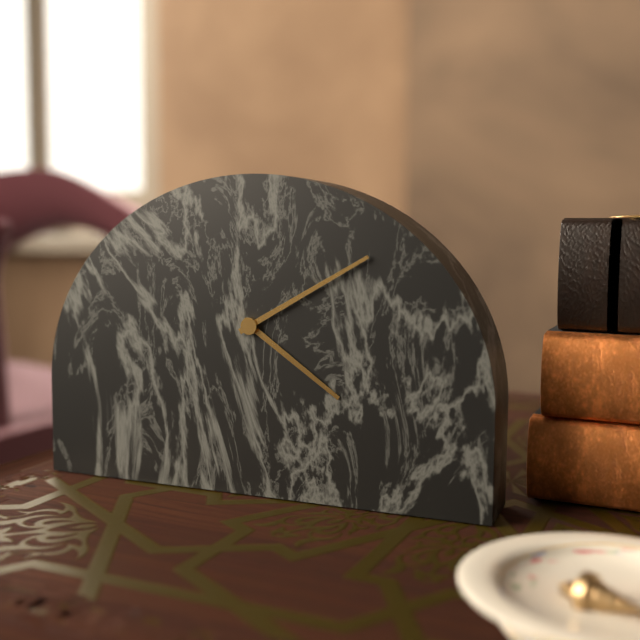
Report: {"hour": 4, "minute": 10}
